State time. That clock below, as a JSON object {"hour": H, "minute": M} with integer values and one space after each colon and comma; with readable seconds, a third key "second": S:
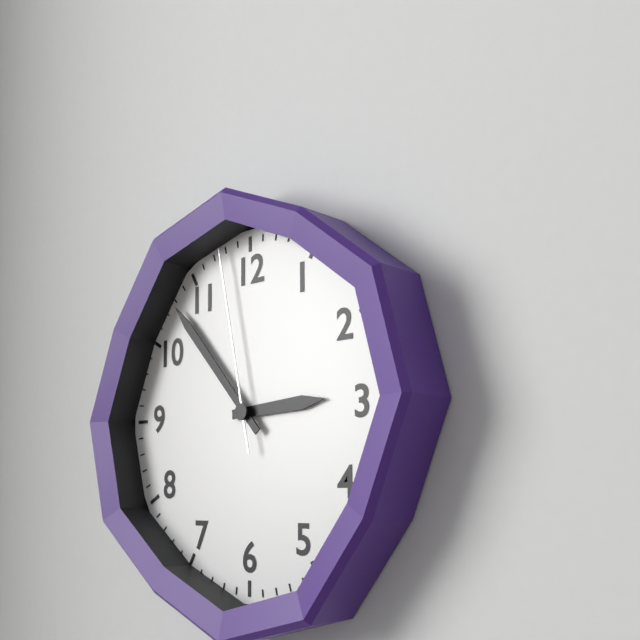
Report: {"hour": 2, "minute": 53, "second": 58}
